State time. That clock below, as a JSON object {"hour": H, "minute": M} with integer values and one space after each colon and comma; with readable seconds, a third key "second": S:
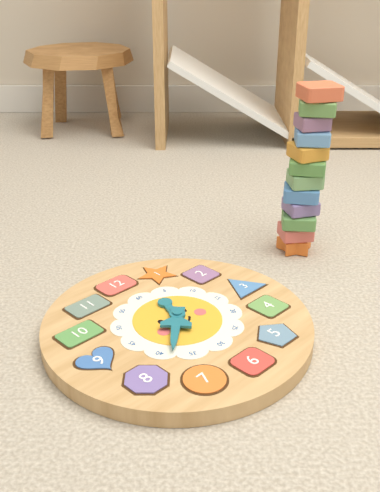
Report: {"hour": 12, "minute": 38}
